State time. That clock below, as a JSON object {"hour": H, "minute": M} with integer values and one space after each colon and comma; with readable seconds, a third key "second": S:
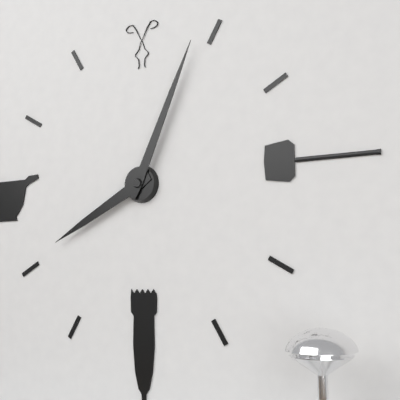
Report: {"hour": 8, "minute": 4}
